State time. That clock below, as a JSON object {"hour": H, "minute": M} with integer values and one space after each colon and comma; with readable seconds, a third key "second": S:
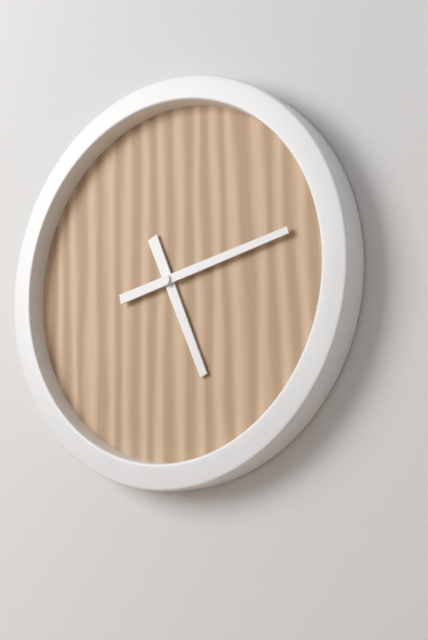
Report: {"hour": 5, "minute": 13}
